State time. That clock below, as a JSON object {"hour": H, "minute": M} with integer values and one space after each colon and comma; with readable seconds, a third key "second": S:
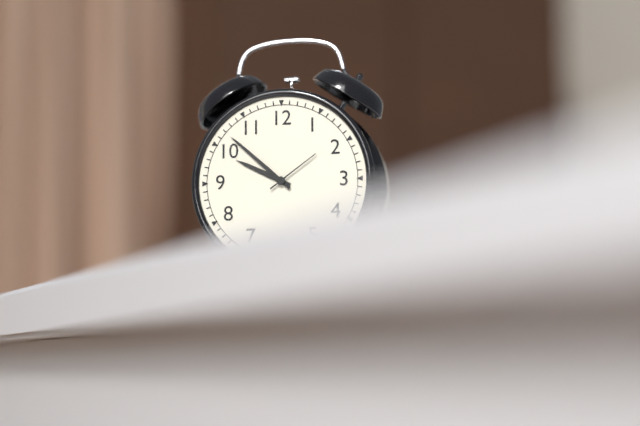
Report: {"hour": 9, "minute": 52, "second": 9}
